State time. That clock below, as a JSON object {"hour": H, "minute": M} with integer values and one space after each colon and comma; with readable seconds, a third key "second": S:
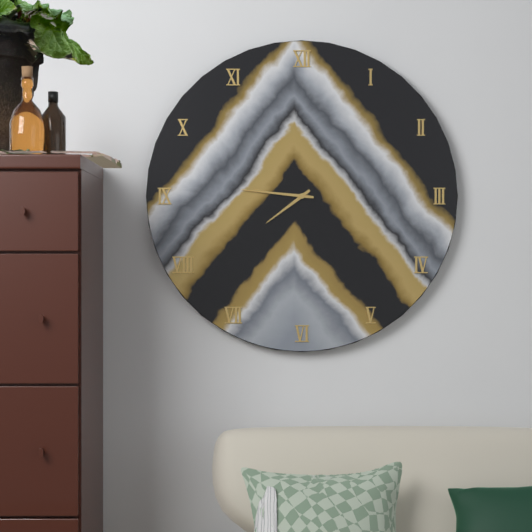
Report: {"hour": 7, "minute": 46}
